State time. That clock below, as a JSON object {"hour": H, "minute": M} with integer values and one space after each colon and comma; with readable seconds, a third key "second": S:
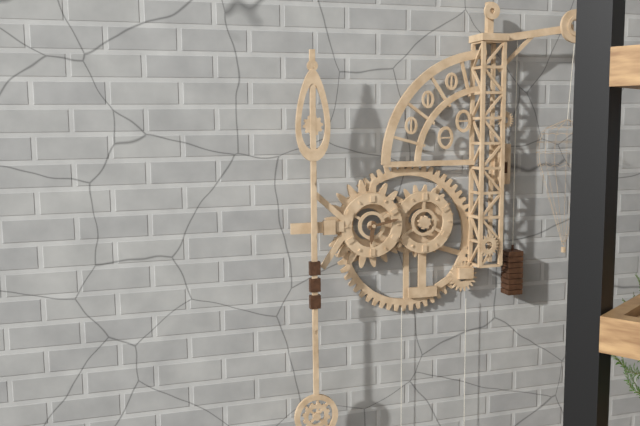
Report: {"hour": 6, "minute": 13}
